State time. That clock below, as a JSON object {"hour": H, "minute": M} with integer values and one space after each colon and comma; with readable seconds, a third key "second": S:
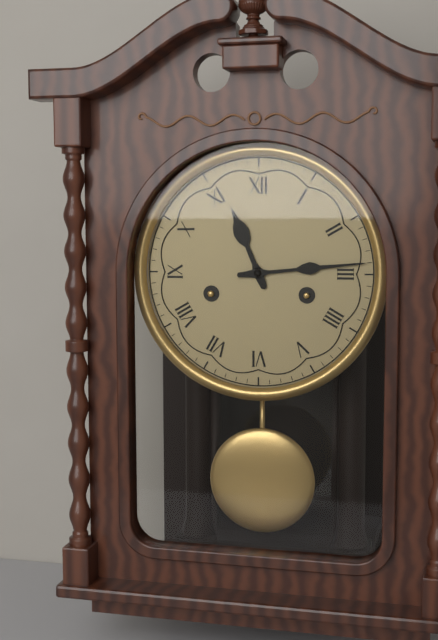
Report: {"hour": 11, "minute": 14}
